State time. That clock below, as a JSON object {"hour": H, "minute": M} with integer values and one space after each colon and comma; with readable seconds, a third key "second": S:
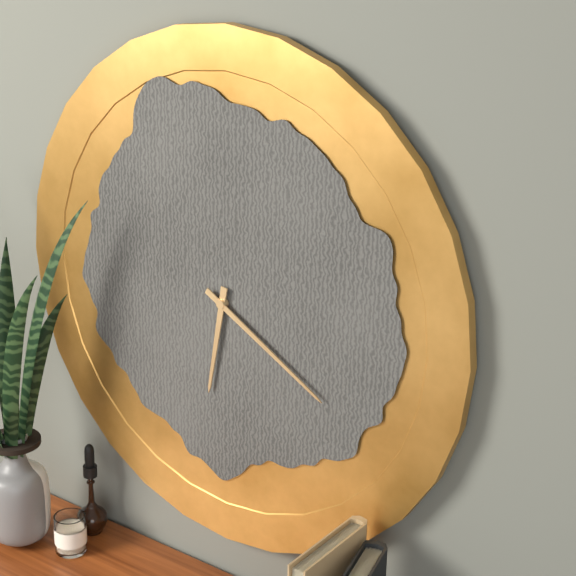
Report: {"hour": 6, "minute": 20}
